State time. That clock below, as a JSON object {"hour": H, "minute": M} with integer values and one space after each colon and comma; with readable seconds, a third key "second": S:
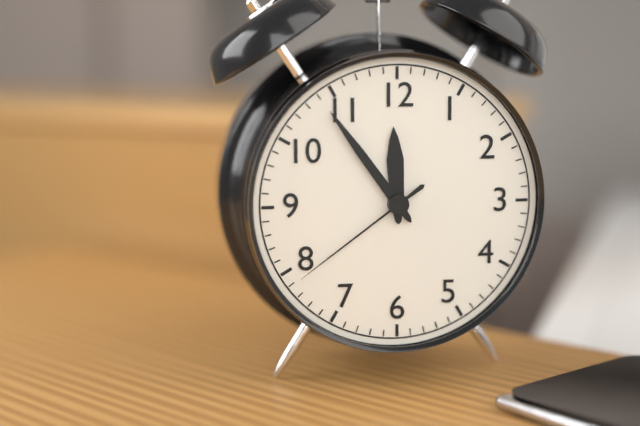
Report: {"hour": 11, "minute": 54, "second": 39}
